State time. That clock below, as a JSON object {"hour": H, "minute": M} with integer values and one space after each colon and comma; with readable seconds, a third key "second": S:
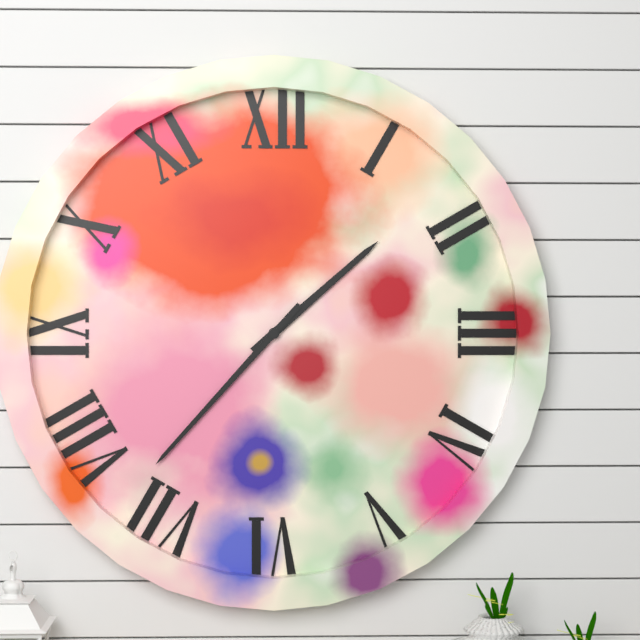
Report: {"hour": 1, "minute": 37}
